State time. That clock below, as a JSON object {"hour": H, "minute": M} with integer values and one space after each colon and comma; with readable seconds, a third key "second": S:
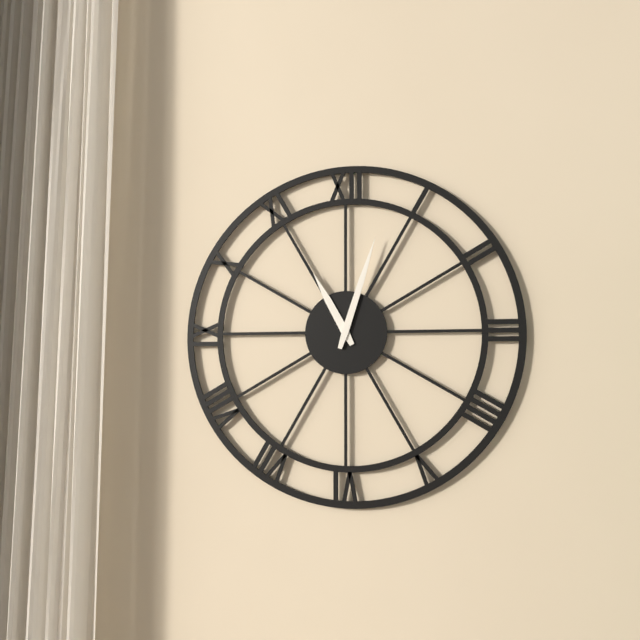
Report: {"hour": 11, "minute": 3}
